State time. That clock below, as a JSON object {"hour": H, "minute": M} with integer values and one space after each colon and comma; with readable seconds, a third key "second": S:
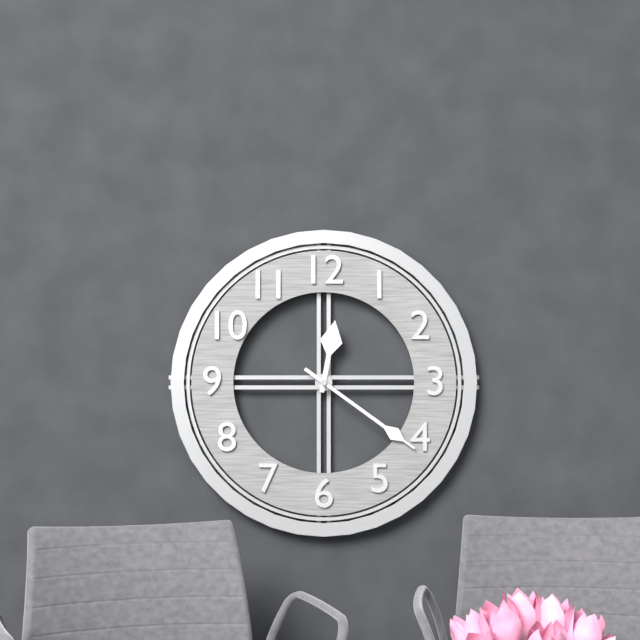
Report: {"hour": 12, "minute": 21}
